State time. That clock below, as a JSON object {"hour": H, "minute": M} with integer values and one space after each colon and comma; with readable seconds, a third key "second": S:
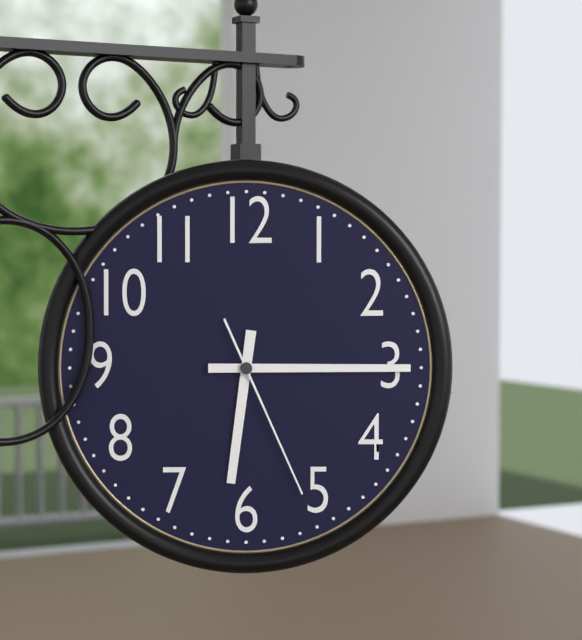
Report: {"hour": 6, "minute": 15, "second": 26}
